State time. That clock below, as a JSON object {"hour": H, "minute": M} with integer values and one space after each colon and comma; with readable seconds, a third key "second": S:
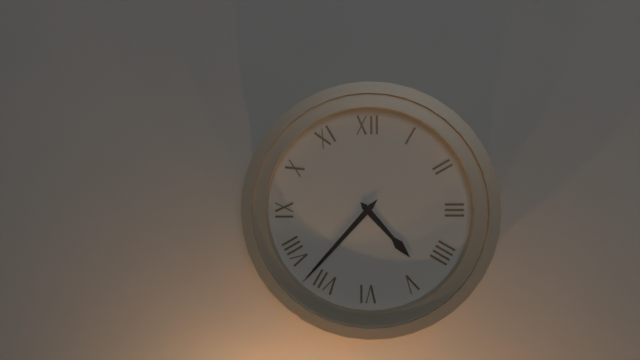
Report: {"hour": 4, "minute": 37}
